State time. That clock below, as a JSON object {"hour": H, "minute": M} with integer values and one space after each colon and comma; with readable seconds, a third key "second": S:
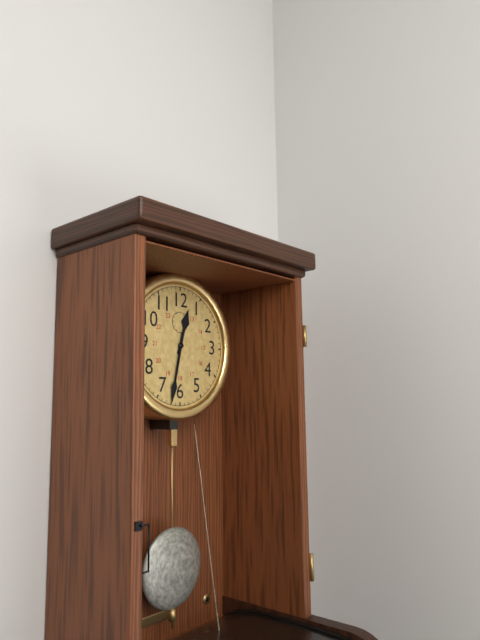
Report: {"hour": 12, "minute": 32}
